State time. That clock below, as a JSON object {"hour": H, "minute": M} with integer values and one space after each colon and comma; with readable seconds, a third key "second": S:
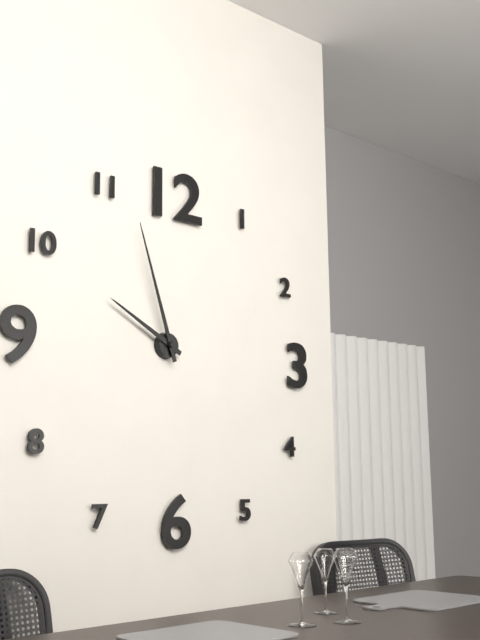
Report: {"hour": 9, "minute": 57}
